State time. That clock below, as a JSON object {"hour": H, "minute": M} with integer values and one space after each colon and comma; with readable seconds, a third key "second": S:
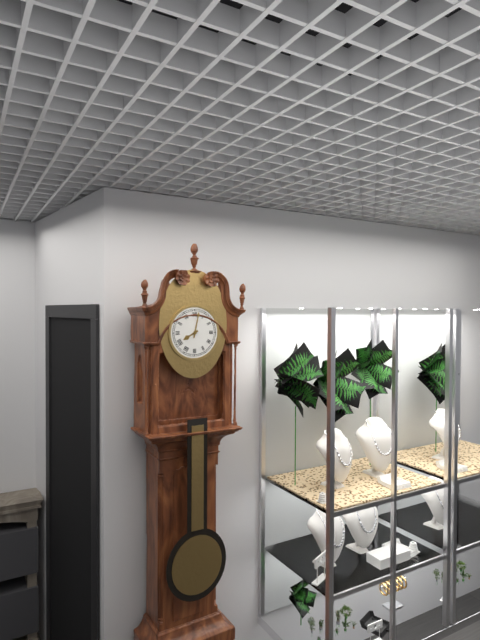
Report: {"hour": 8, "minute": 2}
